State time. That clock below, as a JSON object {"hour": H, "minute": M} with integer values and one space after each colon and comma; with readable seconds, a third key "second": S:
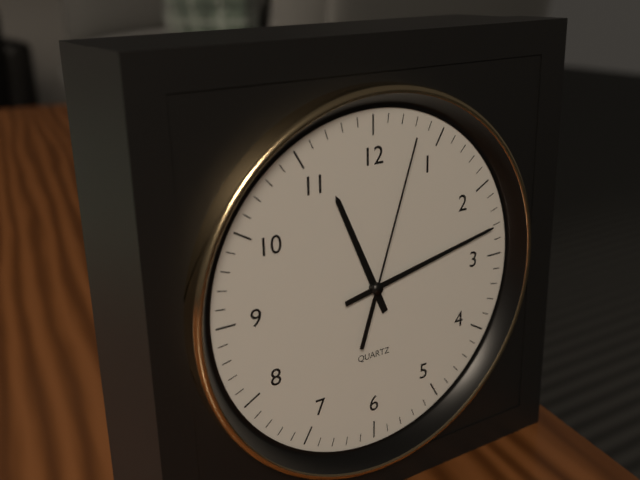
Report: {"hour": 11, "minute": 13, "second": 3}
